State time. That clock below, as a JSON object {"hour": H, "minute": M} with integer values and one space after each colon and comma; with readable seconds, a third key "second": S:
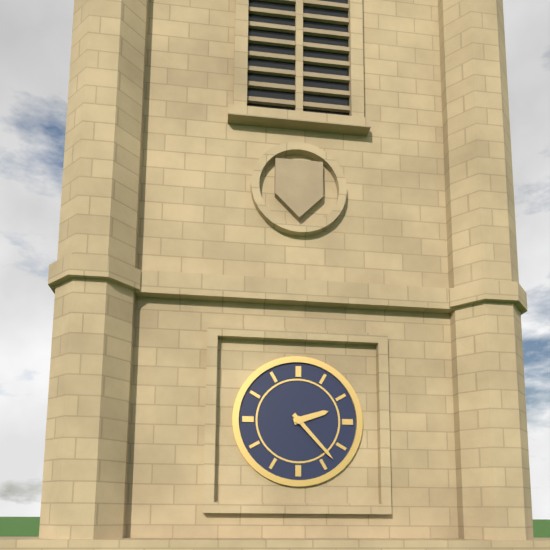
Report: {"hour": 2, "minute": 23}
